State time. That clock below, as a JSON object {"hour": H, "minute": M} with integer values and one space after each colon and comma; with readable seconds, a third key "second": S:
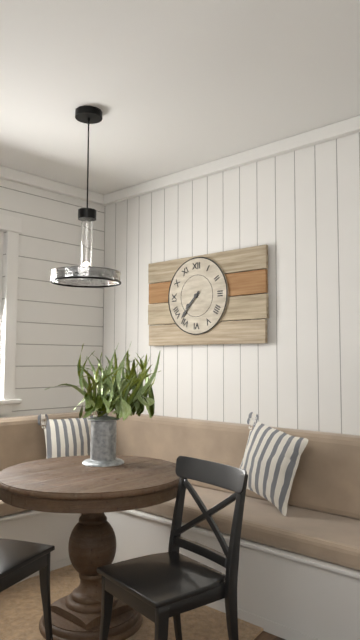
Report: {"hour": 7, "minute": 37}
